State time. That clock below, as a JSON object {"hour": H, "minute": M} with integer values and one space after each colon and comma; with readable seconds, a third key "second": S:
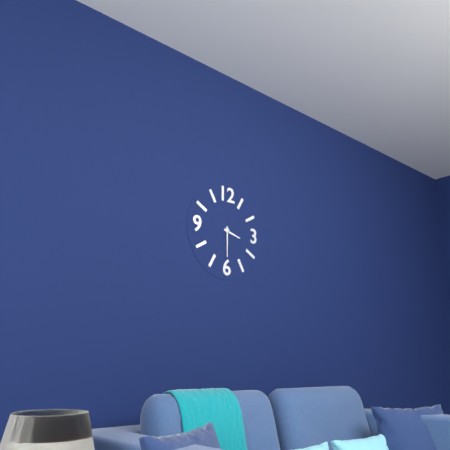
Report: {"hour": 3, "minute": 30}
